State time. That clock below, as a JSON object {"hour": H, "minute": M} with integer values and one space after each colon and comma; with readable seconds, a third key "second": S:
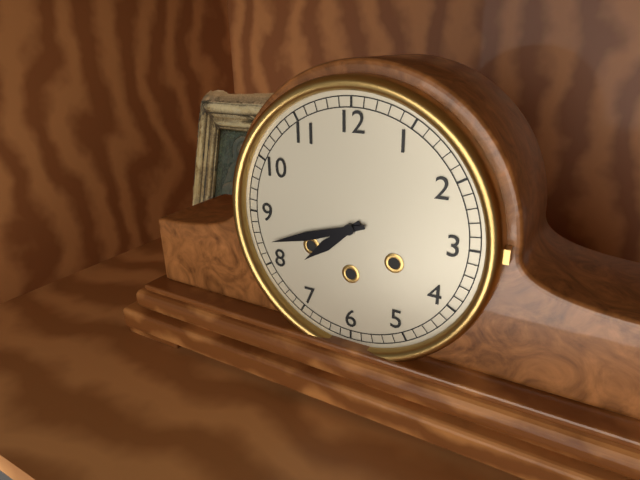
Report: {"hour": 7, "minute": 42}
